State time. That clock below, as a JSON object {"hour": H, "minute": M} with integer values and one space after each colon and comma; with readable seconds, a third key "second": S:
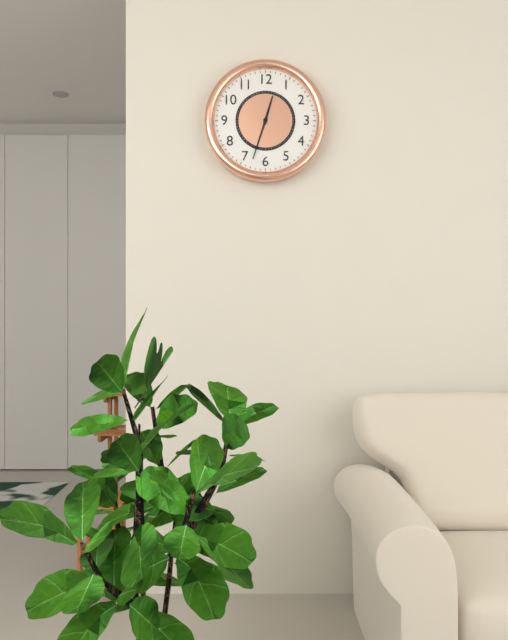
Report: {"hour": 12, "minute": 33}
